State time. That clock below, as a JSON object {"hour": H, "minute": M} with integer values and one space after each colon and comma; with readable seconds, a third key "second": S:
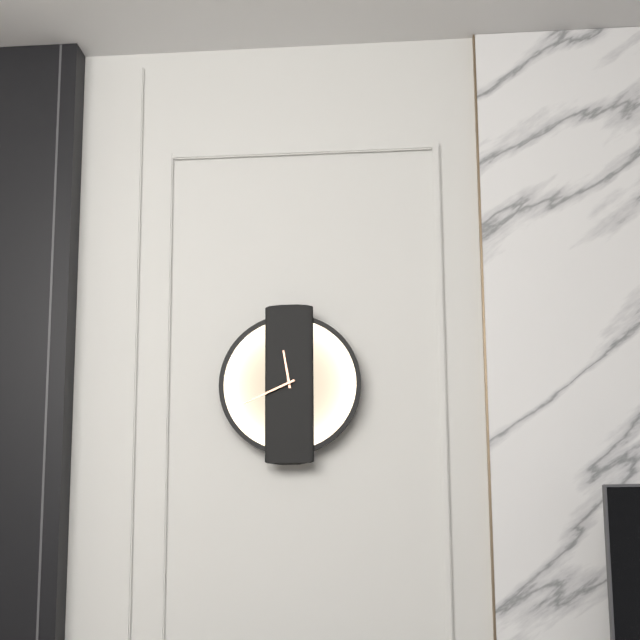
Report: {"hour": 11, "minute": 41}
